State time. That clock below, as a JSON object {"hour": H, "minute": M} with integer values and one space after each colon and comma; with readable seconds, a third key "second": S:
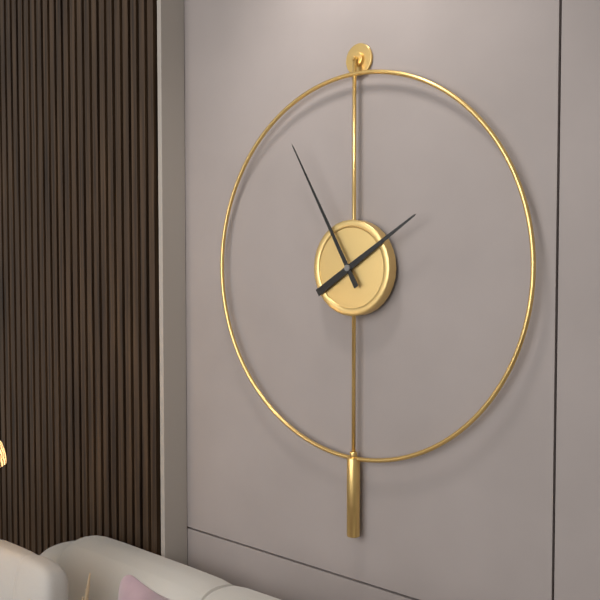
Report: {"hour": 1, "minute": 55}
